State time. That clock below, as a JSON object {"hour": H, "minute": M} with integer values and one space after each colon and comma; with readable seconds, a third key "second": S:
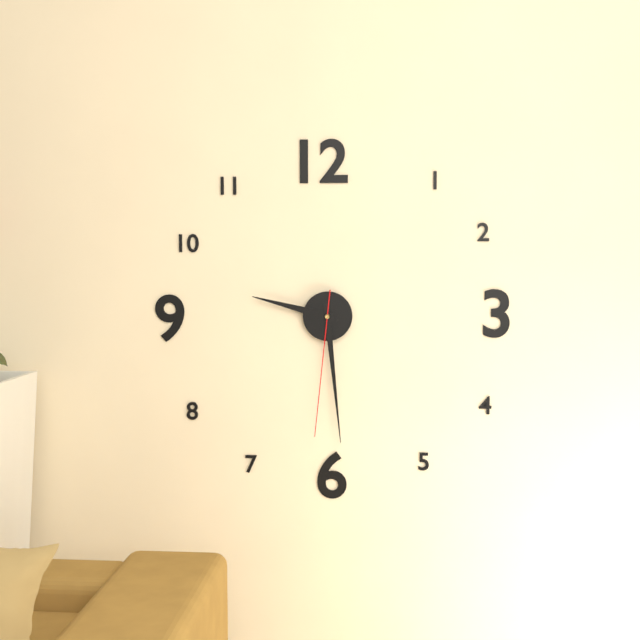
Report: {"hour": 9, "minute": 29, "second": 31}
